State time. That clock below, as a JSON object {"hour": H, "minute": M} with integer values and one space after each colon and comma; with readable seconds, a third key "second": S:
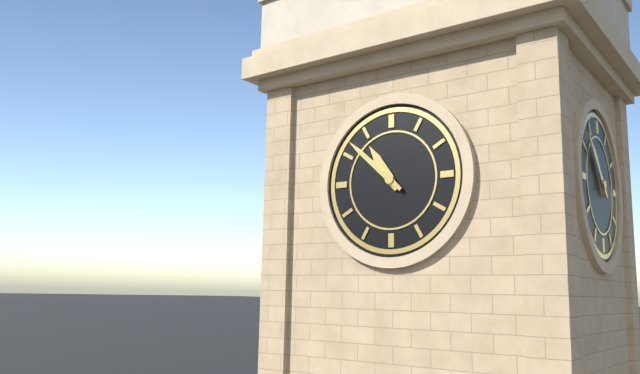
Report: {"hour": 10, "minute": 52}
